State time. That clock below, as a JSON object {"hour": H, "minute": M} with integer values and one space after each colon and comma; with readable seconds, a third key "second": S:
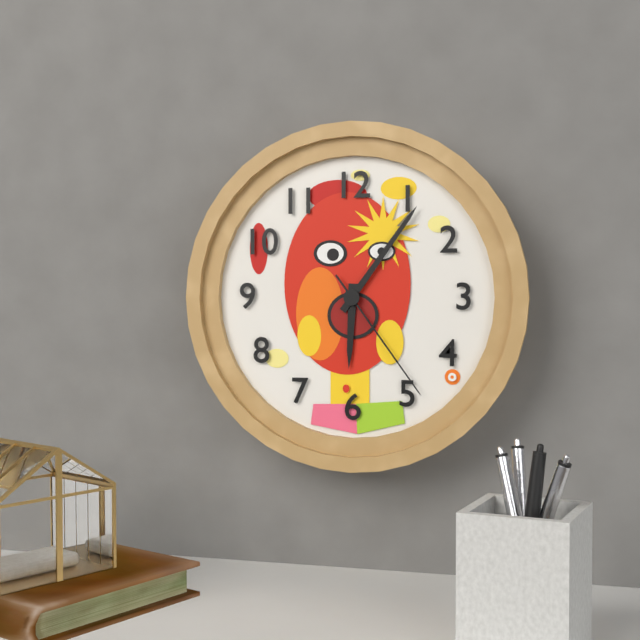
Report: {"hour": 6, "minute": 6, "second": 24}
